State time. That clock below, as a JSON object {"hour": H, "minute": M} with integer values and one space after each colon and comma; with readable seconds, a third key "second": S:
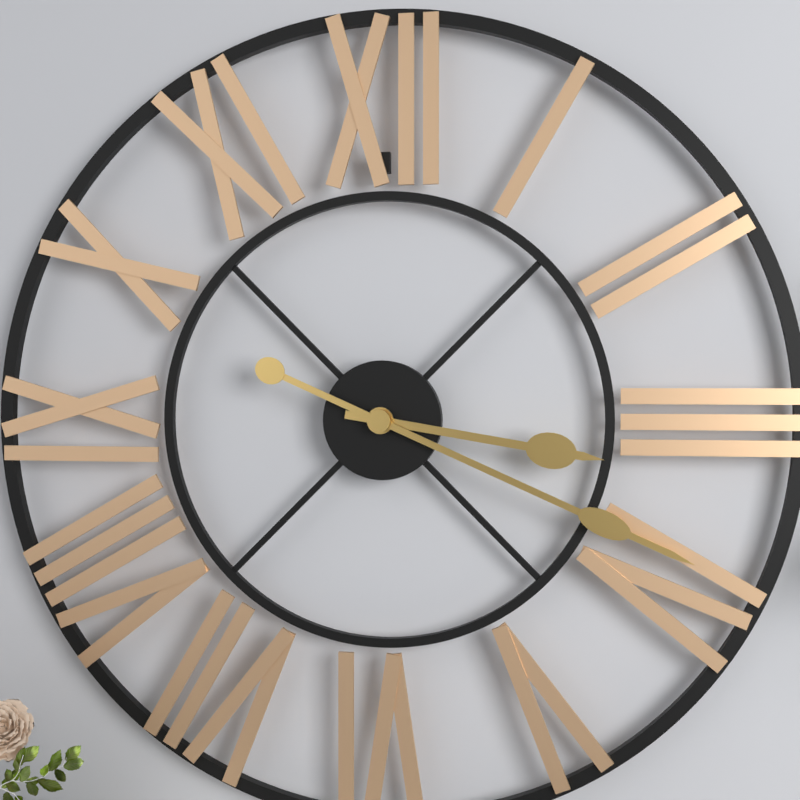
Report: {"hour": 3, "minute": 19}
